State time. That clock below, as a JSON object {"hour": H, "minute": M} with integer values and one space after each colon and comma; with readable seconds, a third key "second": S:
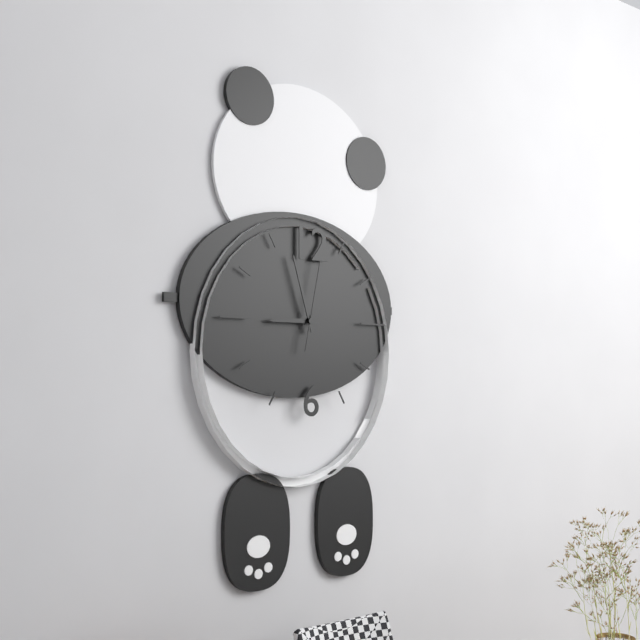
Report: {"hour": 8, "minute": 57, "second": 2}
